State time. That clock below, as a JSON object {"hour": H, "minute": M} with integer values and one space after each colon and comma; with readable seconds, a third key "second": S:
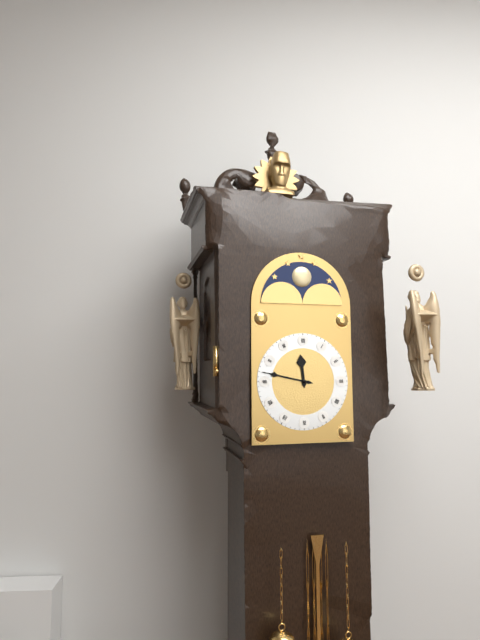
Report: {"hour": 11, "minute": 47}
